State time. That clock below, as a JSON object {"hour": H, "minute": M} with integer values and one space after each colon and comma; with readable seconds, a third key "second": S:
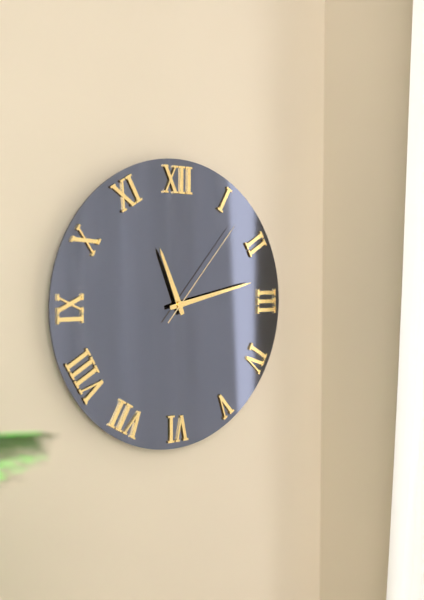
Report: {"hour": 11, "minute": 13, "second": 7}
